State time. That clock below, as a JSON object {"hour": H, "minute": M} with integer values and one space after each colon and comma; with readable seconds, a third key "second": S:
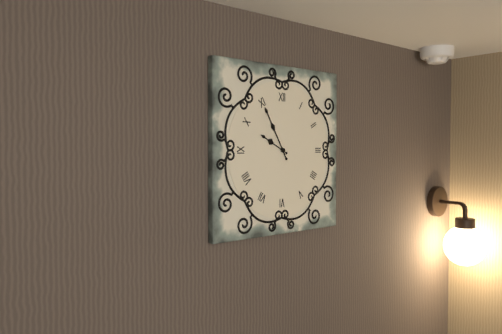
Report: {"hour": 9, "minute": 55}
